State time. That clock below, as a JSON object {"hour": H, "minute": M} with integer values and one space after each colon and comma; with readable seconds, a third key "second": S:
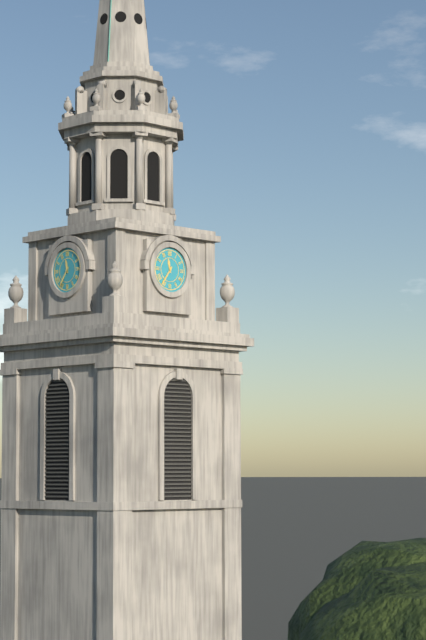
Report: {"hour": 11, "minute": 36}
